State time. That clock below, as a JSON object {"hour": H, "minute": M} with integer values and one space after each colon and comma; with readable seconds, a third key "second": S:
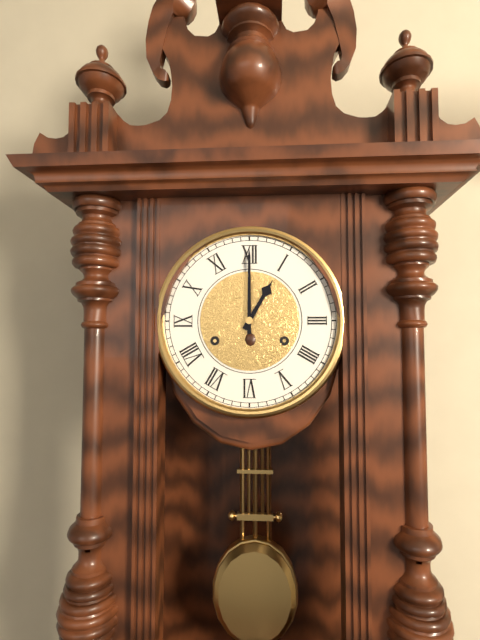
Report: {"hour": 1, "minute": 0}
